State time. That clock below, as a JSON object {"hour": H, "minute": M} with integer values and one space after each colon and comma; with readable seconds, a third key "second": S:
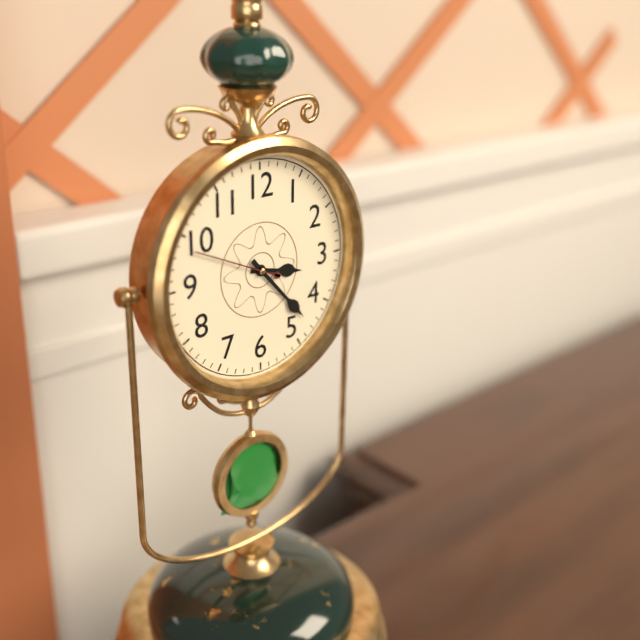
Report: {"hour": 3, "minute": 23, "second": 49}
